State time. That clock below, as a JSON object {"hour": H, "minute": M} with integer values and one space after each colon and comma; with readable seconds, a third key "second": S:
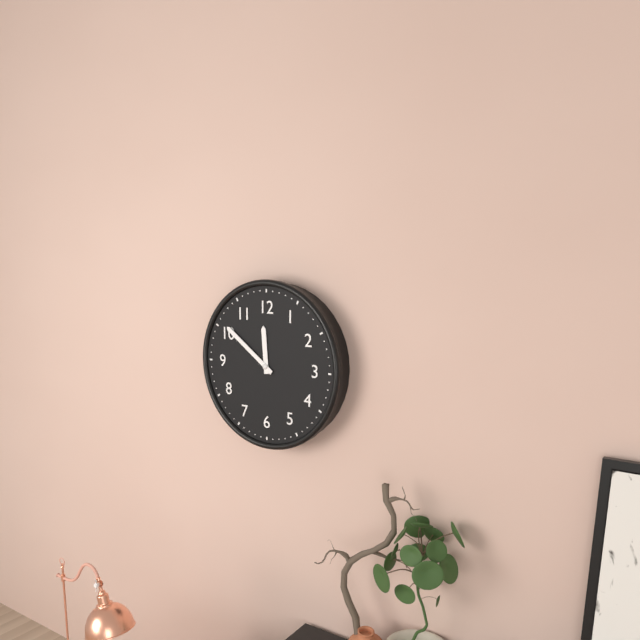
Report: {"hour": 11, "minute": 51}
